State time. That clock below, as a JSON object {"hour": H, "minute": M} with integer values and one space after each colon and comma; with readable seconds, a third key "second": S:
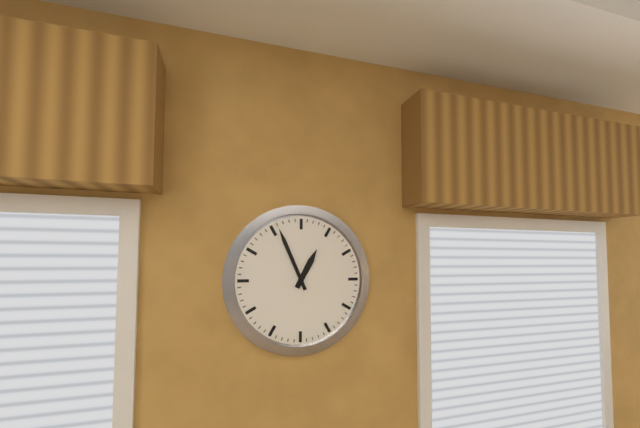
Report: {"hour": 12, "minute": 56}
